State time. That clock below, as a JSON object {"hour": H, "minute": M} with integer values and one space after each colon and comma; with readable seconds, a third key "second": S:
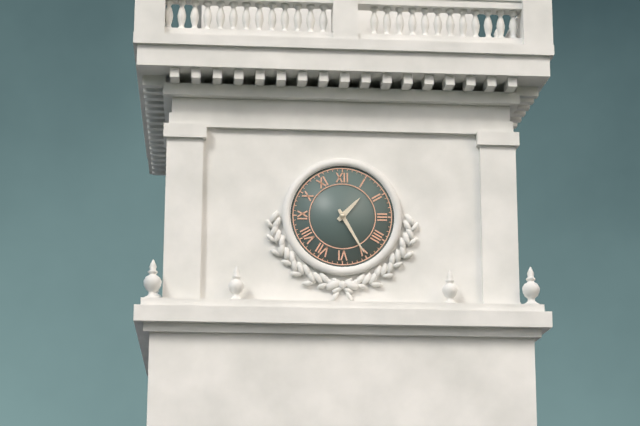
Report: {"hour": 1, "minute": 25}
